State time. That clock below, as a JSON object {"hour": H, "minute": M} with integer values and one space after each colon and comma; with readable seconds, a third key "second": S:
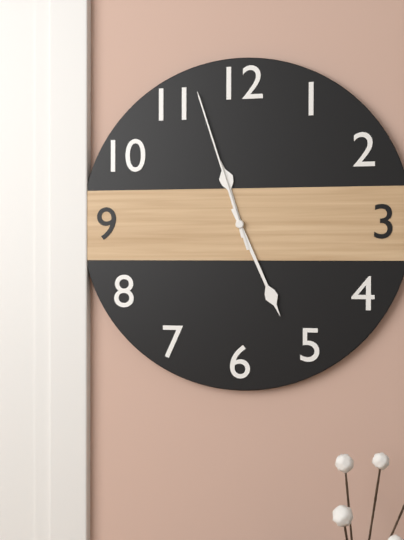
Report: {"hour": 11, "minute": 26, "second": 57}
